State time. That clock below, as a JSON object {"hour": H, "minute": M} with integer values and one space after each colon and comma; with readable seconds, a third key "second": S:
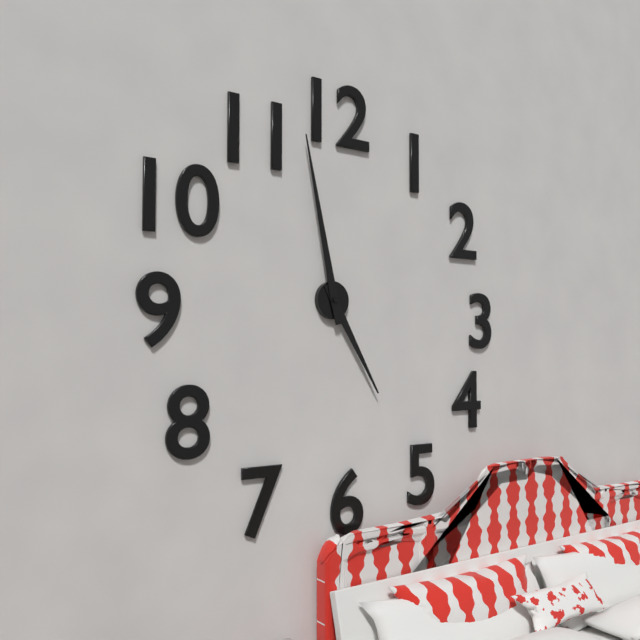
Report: {"hour": 4, "minute": 58}
